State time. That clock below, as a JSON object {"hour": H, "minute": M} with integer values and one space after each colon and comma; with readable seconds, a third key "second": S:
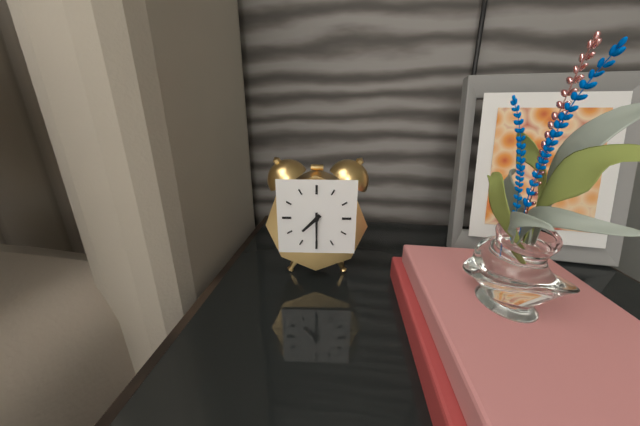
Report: {"hour": 7, "minute": 30}
